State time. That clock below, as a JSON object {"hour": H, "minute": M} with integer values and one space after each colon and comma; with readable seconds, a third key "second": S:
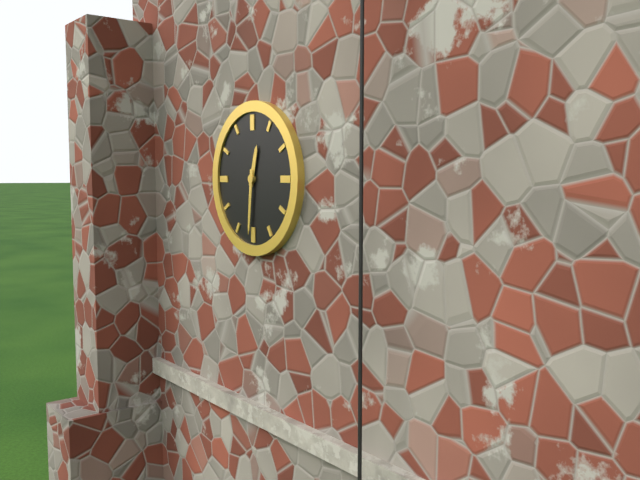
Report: {"hour": 12, "minute": 31}
